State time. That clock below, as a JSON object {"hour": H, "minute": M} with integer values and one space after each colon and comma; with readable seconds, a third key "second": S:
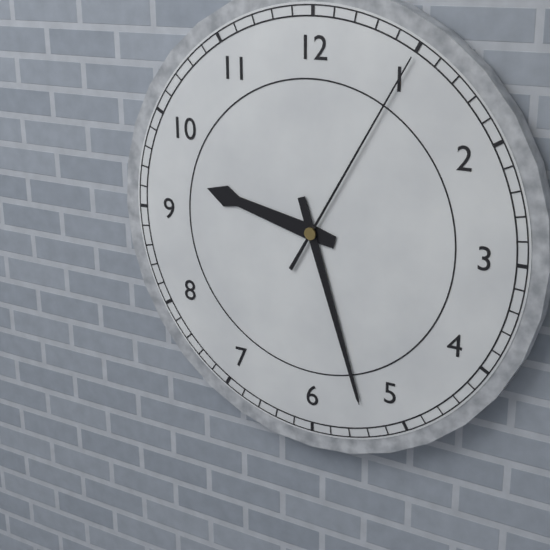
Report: {"hour": 9, "minute": 27, "second": 5}
